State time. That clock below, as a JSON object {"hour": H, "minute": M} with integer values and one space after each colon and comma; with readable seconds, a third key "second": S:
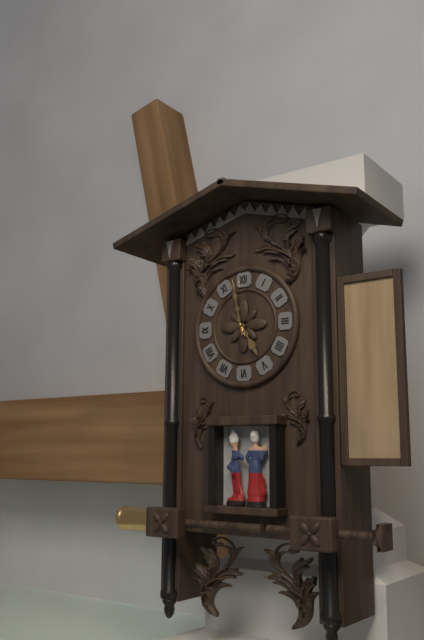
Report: {"hour": 4, "minute": 58}
